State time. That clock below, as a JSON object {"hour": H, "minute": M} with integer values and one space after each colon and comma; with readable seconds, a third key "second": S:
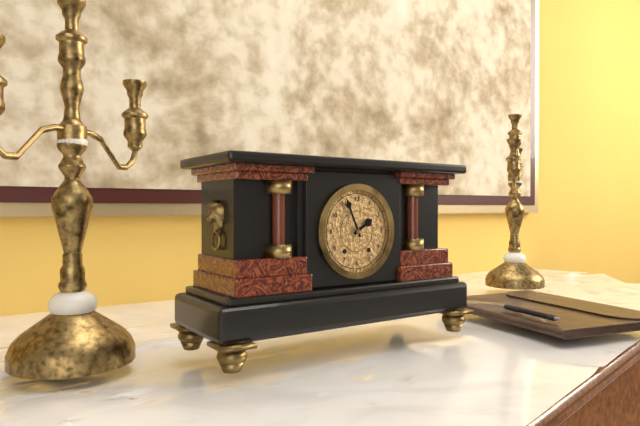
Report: {"hour": 1, "minute": 56}
